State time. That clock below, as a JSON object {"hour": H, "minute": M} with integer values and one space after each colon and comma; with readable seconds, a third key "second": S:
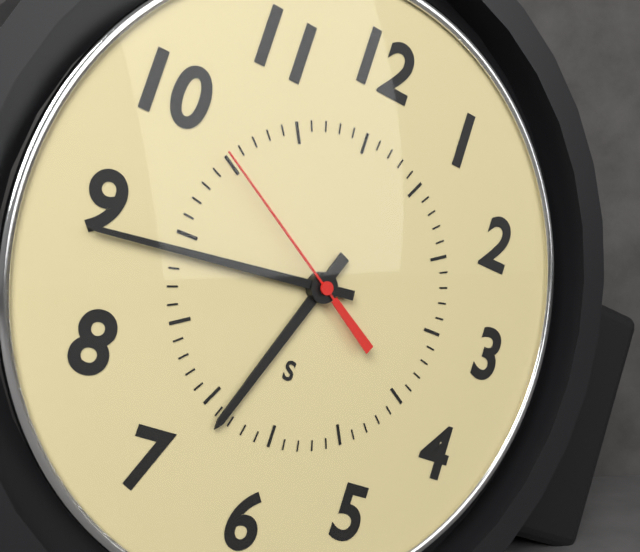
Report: {"hour": 6, "minute": 44, "second": 50}
